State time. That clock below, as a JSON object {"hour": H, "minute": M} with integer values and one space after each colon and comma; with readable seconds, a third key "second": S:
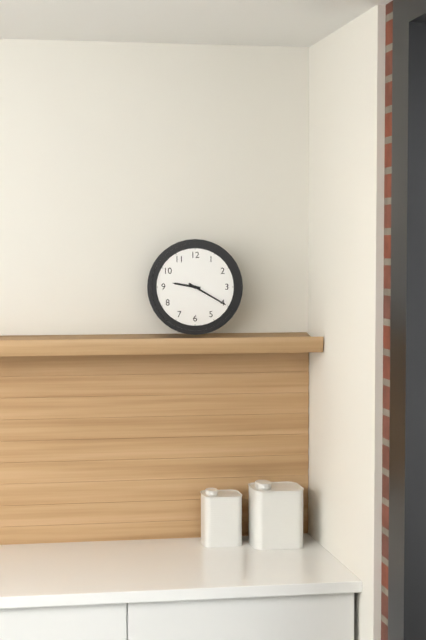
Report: {"hour": 9, "minute": 20}
